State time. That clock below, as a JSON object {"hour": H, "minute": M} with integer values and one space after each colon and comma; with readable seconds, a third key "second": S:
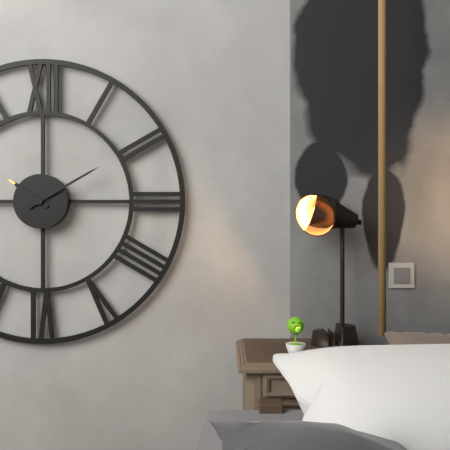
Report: {"hour": 10, "minute": 10}
